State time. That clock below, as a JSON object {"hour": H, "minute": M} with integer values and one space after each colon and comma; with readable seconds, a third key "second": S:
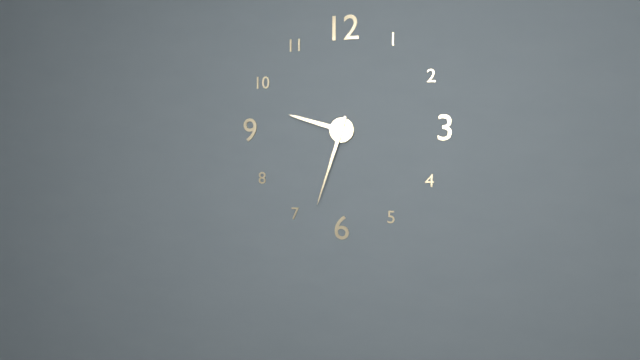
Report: {"hour": 9, "minute": 33}
